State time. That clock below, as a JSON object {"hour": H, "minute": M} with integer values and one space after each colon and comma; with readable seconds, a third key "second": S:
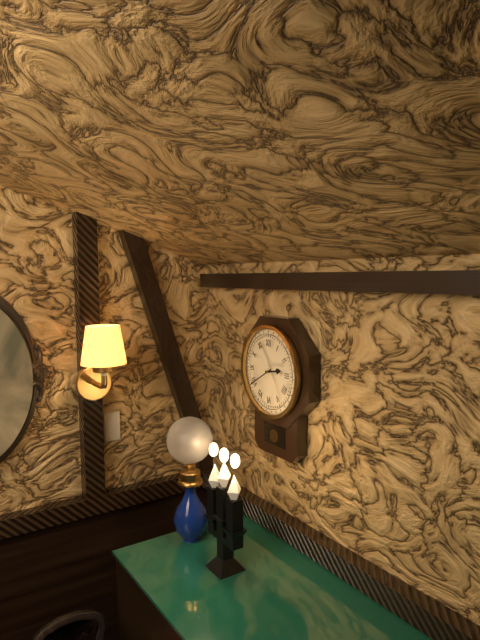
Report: {"hour": 2, "minute": 40}
